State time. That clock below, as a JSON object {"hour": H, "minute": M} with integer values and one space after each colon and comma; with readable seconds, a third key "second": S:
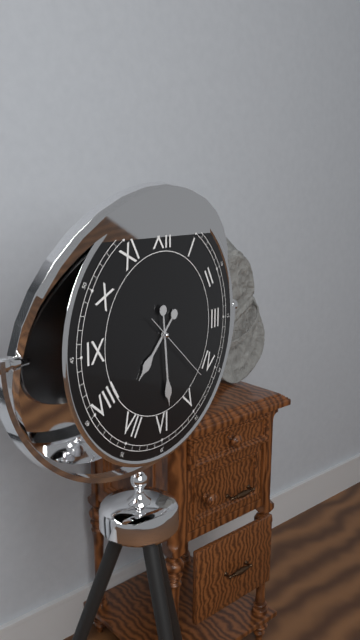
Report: {"hour": 7, "minute": 29, "second": 22}
